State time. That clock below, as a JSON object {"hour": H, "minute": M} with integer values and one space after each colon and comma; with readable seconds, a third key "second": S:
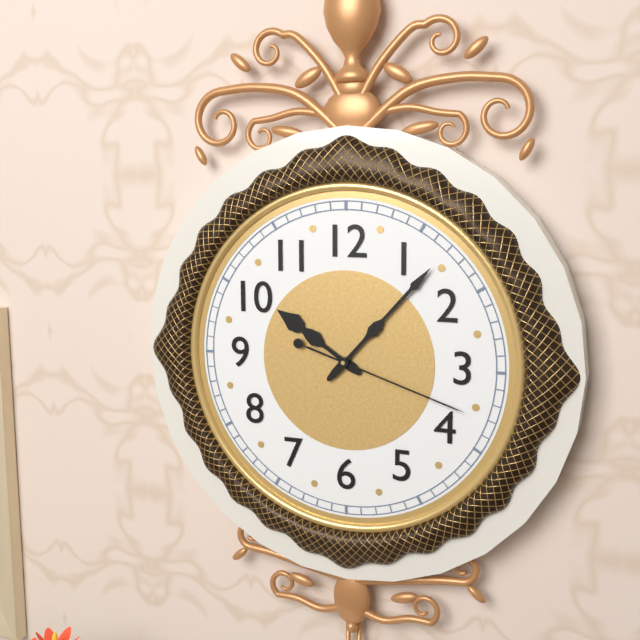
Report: {"hour": 10, "minute": 7, "second": 18}
